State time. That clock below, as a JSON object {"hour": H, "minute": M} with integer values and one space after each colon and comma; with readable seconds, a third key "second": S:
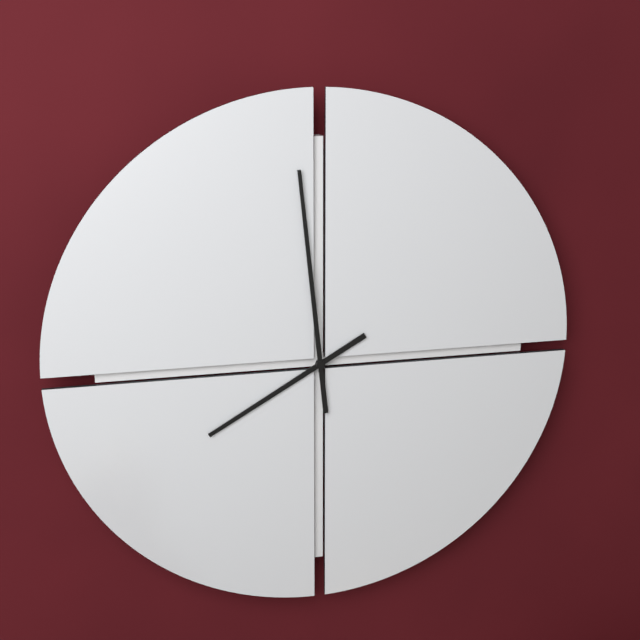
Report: {"hour": 7, "minute": 59}
